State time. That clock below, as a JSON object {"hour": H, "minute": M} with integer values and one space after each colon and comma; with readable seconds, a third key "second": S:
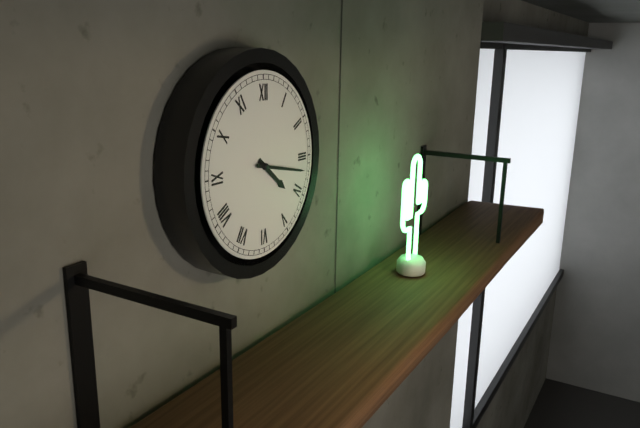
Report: {"hour": 4, "minute": 17}
